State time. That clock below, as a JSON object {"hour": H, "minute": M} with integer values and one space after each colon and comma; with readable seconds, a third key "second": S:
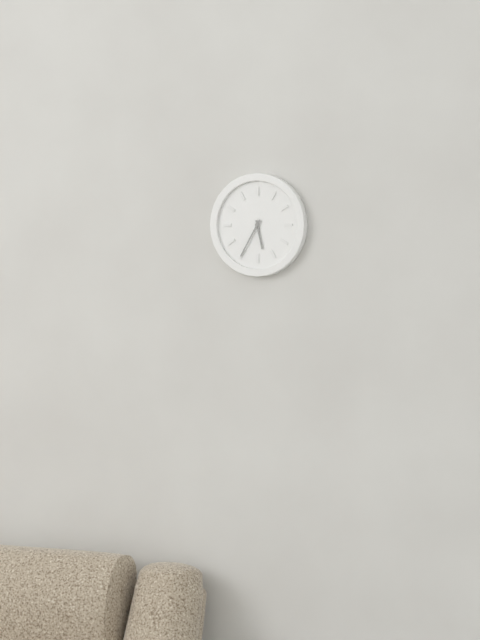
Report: {"hour": 5, "minute": 35}
